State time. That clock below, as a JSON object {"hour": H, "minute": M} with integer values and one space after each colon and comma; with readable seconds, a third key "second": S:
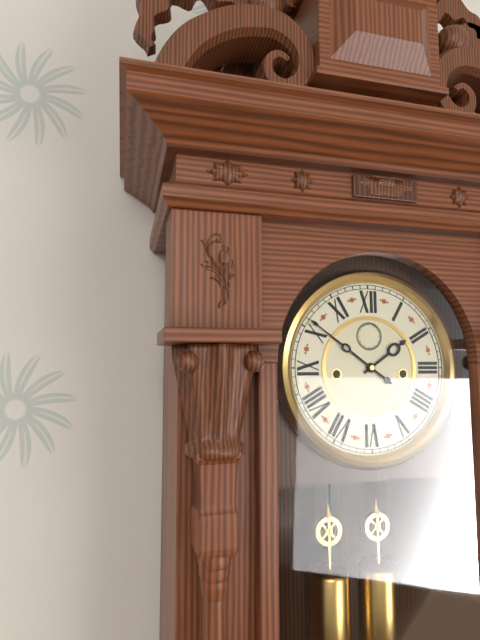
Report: {"hour": 1, "minute": 51}
